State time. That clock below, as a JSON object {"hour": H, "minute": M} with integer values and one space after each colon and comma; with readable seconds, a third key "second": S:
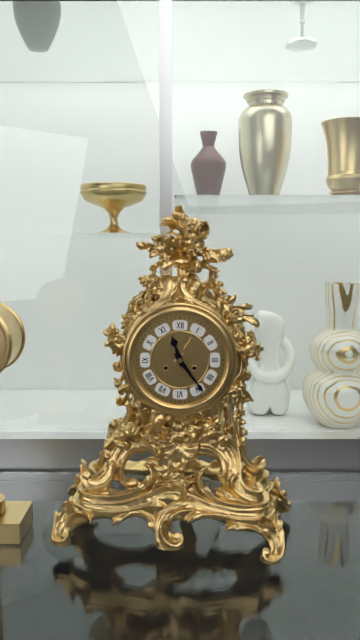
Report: {"hour": 11, "minute": 24}
